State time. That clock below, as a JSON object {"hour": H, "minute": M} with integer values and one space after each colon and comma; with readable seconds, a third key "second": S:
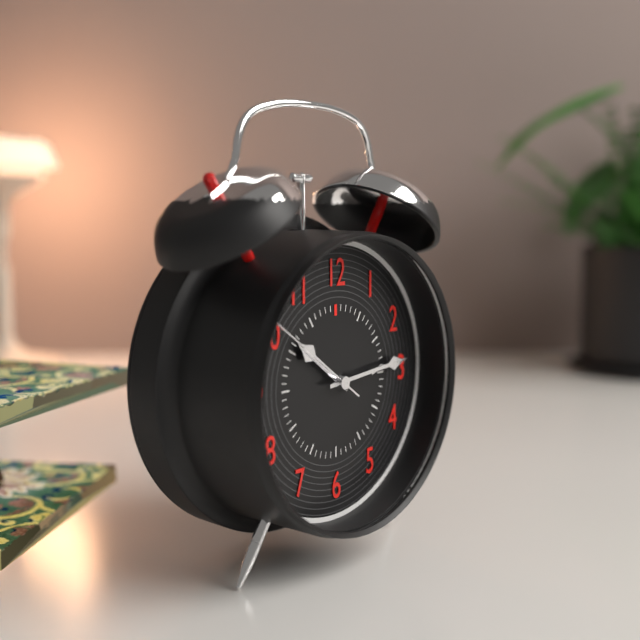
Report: {"hour": 10, "minute": 14, "second": 51}
